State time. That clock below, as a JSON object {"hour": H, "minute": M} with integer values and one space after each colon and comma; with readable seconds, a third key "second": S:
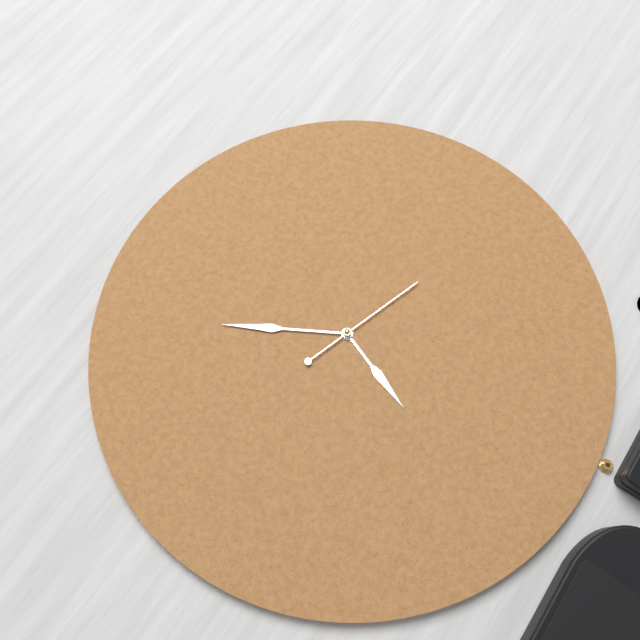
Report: {"hour": 3, "minute": 40, "second": 3}
